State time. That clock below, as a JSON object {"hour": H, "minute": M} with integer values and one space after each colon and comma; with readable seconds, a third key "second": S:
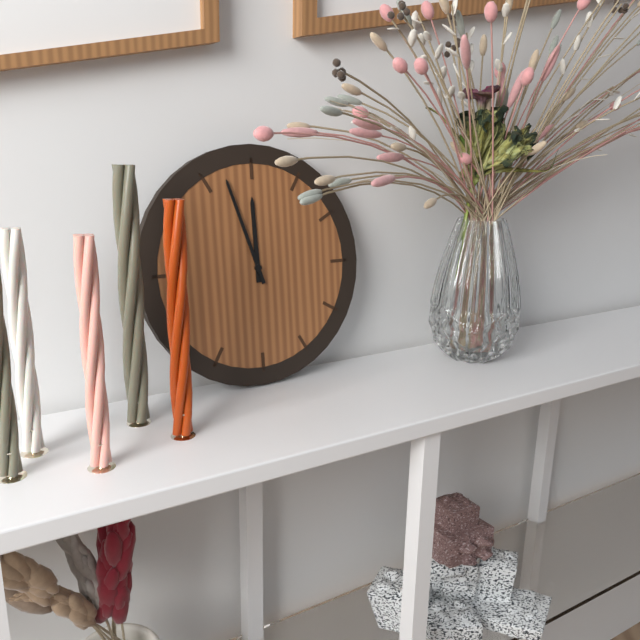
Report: {"hour": 11, "minute": 57}
